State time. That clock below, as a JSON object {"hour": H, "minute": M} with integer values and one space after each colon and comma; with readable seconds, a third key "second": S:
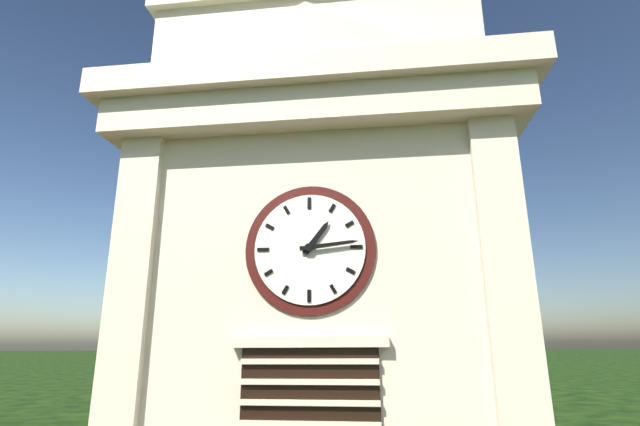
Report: {"hour": 1, "minute": 14}
